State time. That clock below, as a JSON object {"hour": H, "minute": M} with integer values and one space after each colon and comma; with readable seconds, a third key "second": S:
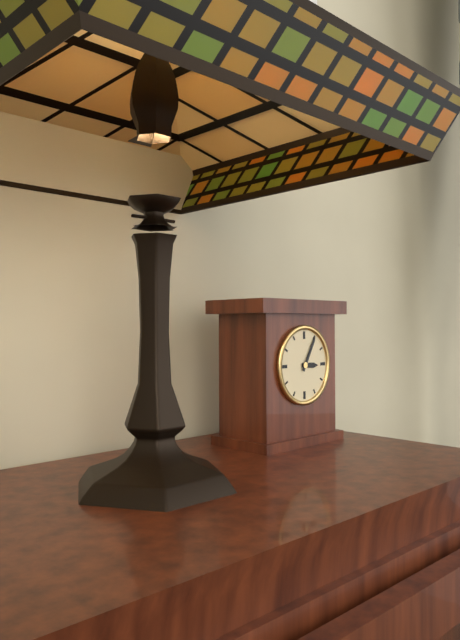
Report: {"hour": 3, "minute": 5}
